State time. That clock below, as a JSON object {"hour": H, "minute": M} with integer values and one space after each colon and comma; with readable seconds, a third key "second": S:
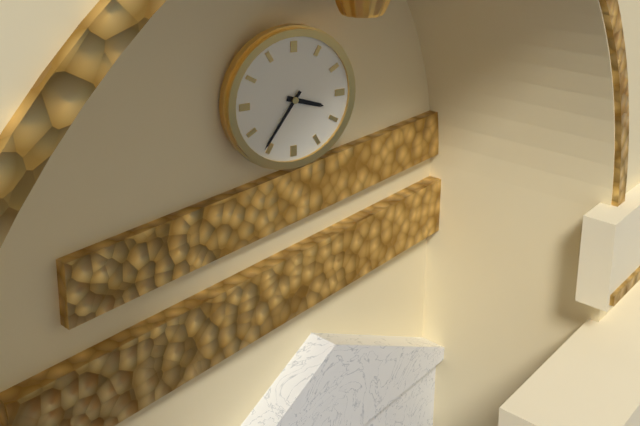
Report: {"hour": 3, "minute": 36}
